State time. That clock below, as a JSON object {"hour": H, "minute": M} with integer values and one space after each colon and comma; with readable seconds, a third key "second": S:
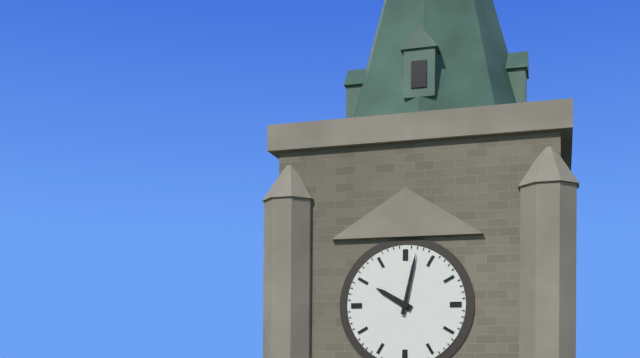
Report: {"hour": 10, "minute": 2}
